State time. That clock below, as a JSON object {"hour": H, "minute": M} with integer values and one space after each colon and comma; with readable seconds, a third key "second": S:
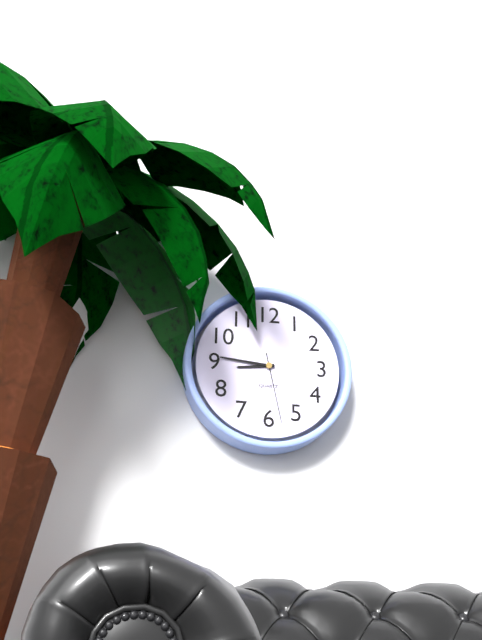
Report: {"hour": 8, "minute": 46, "second": 28}
